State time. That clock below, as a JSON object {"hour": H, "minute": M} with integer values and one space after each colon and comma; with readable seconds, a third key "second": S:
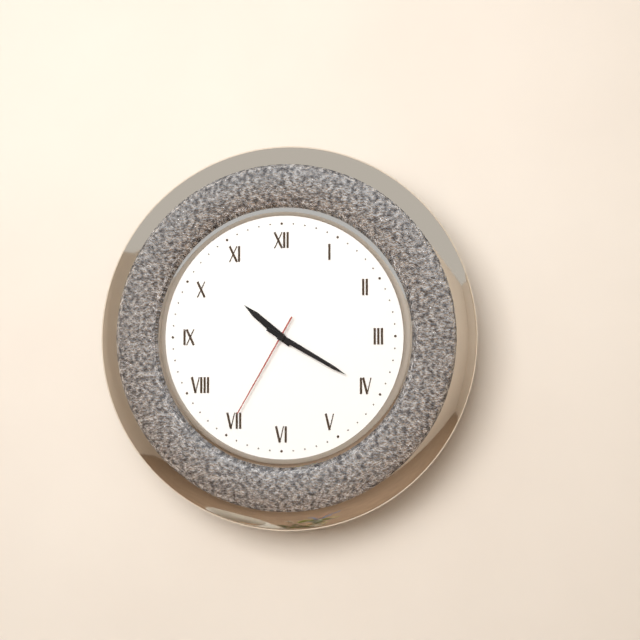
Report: {"hour": 10, "minute": 20, "second": 35}
